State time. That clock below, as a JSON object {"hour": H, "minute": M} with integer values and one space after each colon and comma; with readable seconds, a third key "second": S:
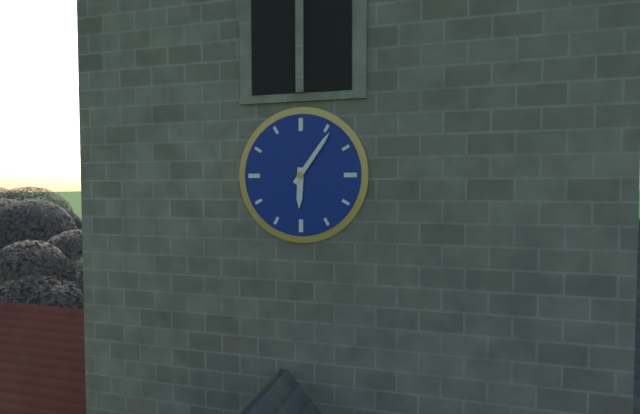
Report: {"hour": 6, "minute": 6}
